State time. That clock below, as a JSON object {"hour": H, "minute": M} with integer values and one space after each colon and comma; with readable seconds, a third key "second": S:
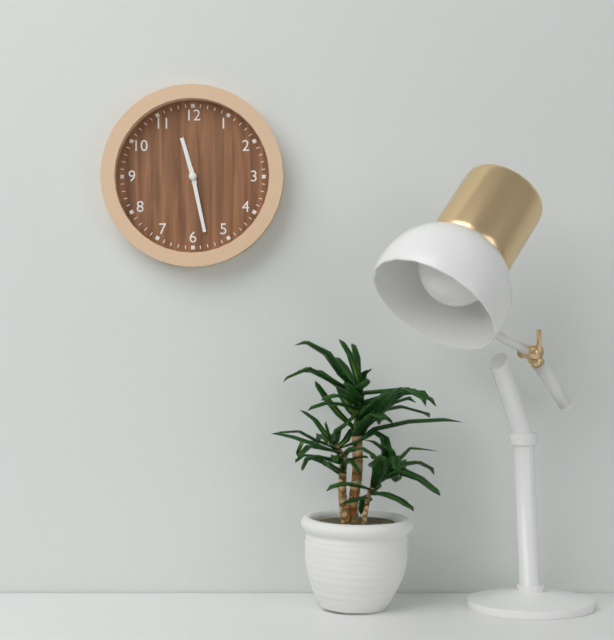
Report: {"hour": 11, "minute": 28}
